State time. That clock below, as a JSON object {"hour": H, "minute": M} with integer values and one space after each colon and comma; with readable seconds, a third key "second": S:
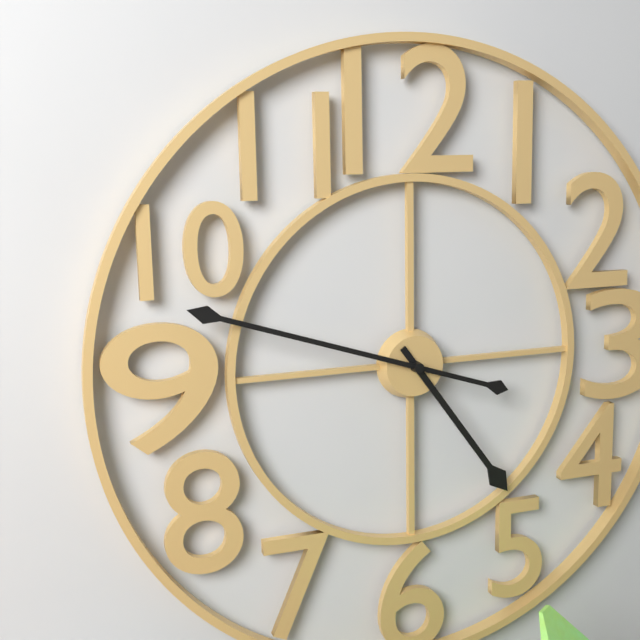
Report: {"hour": 4, "minute": 48}
